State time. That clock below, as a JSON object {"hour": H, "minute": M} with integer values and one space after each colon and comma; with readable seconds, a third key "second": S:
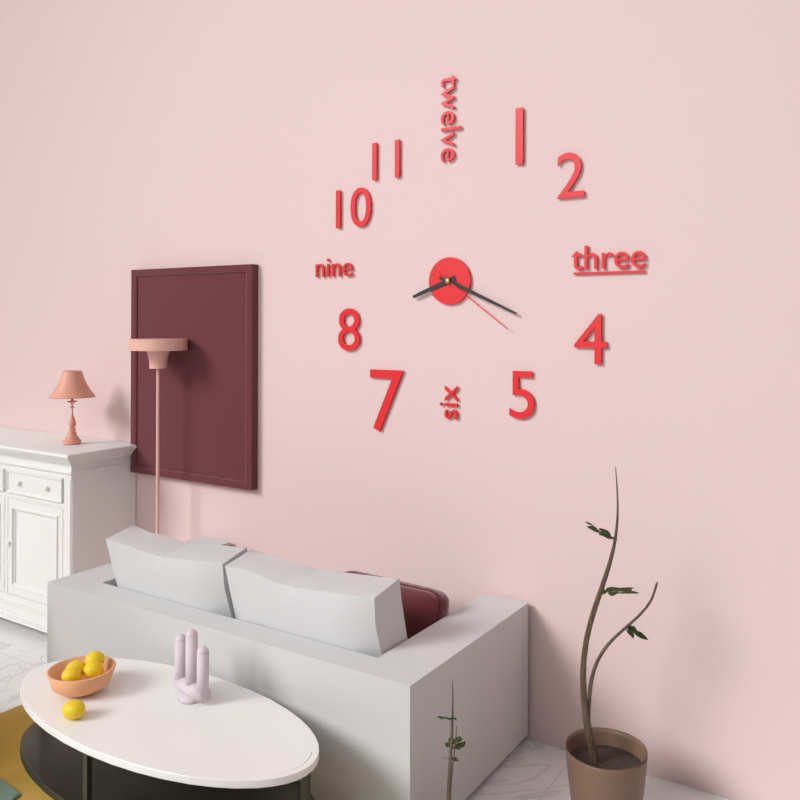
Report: {"hour": 8, "minute": 19, "second": 21}
